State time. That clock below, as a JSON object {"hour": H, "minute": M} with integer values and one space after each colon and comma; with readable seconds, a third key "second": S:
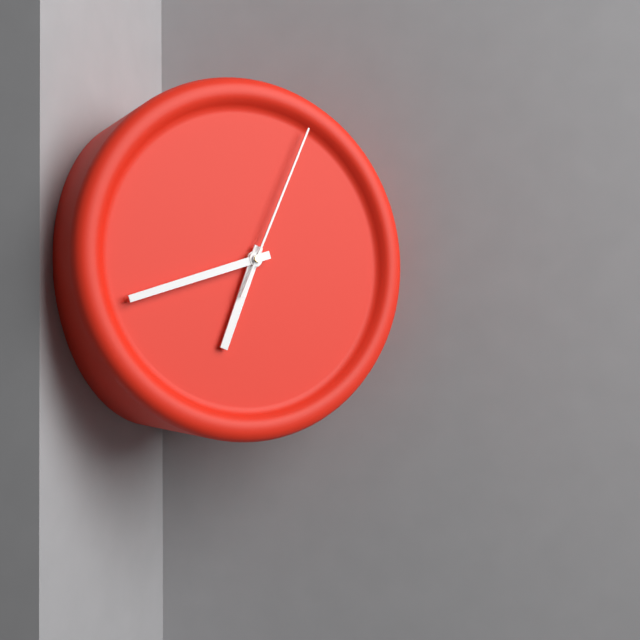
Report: {"hour": 6, "minute": 42, "second": 4}
